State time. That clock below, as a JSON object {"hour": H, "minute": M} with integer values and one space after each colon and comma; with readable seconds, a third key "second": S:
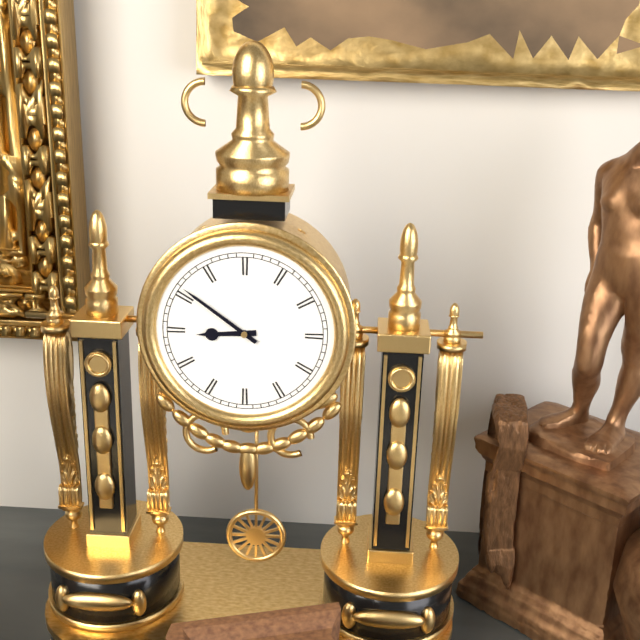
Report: {"hour": 8, "minute": 51}
